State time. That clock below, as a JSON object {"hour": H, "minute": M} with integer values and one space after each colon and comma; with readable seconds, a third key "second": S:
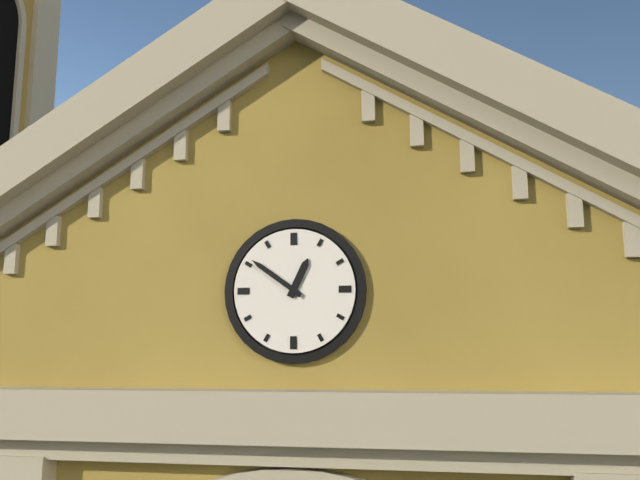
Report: {"hour": 12, "minute": 51}
